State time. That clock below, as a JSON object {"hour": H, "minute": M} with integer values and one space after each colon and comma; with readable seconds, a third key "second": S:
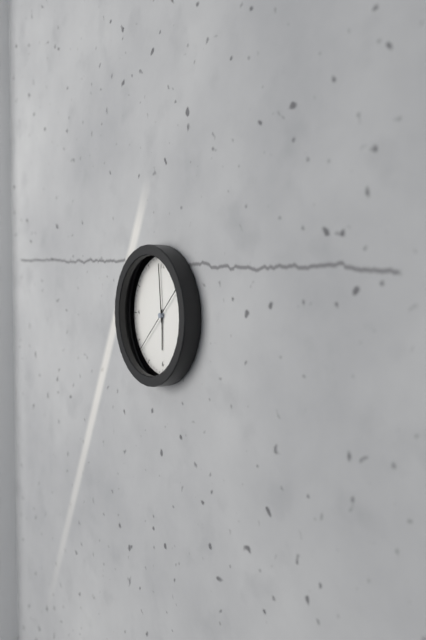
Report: {"hour": 5, "minute": 59}
